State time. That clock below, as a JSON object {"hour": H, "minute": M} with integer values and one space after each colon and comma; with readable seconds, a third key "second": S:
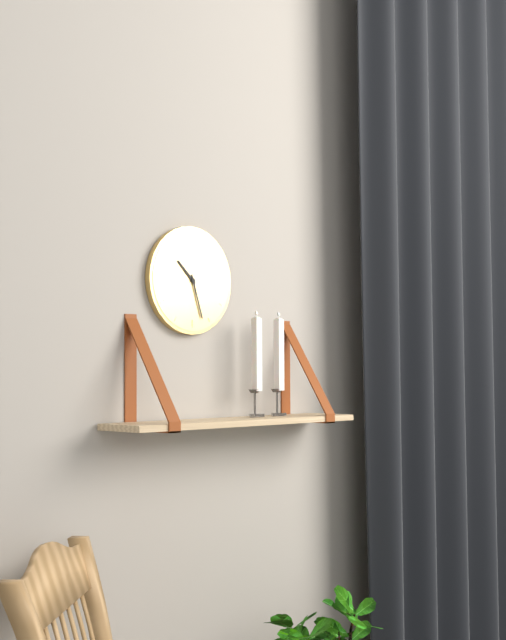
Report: {"hour": 10, "minute": 27}
